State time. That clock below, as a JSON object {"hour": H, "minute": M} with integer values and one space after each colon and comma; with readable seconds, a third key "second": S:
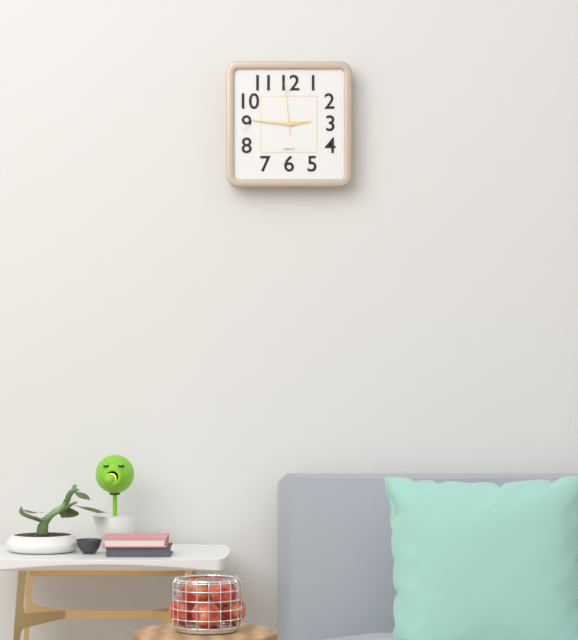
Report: {"hour": 2, "minute": 46, "second": 59}
